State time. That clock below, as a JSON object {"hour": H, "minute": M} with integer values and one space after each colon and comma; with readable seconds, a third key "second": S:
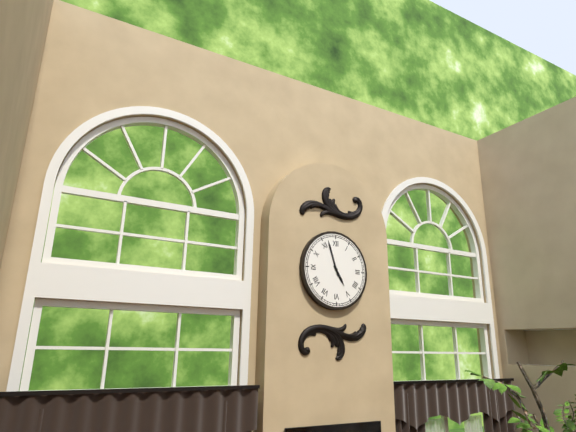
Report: {"hour": 4, "minute": 57}
